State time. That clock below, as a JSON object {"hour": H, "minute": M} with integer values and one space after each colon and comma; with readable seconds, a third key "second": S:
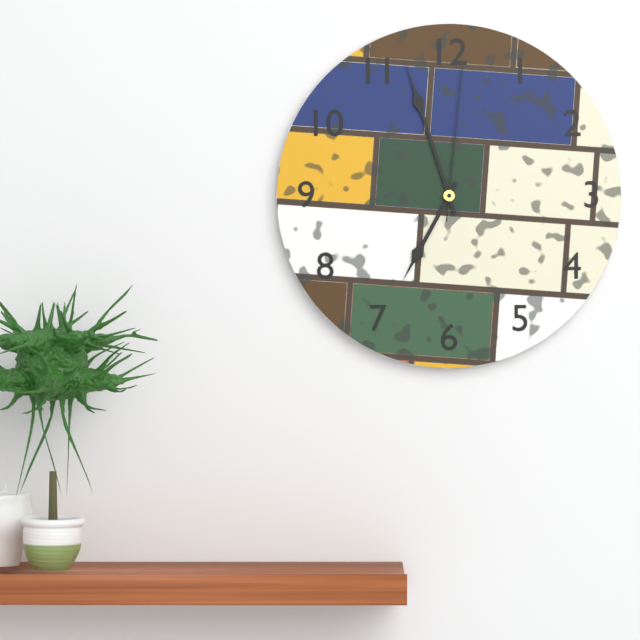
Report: {"hour": 6, "minute": 57, "second": 1}
